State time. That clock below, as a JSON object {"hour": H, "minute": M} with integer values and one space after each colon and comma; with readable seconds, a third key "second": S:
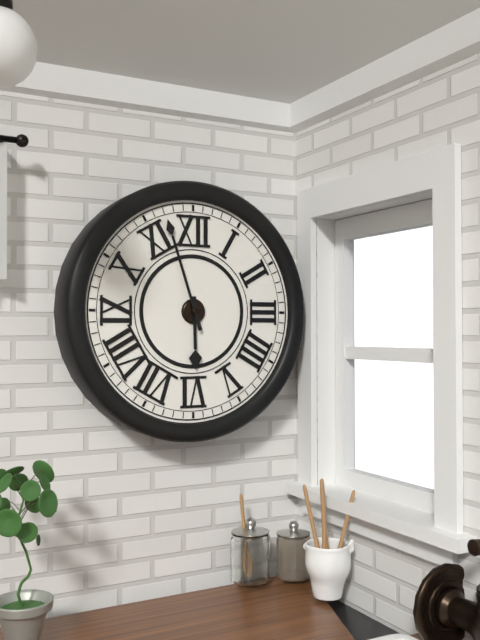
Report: {"hour": 5, "minute": 57}
